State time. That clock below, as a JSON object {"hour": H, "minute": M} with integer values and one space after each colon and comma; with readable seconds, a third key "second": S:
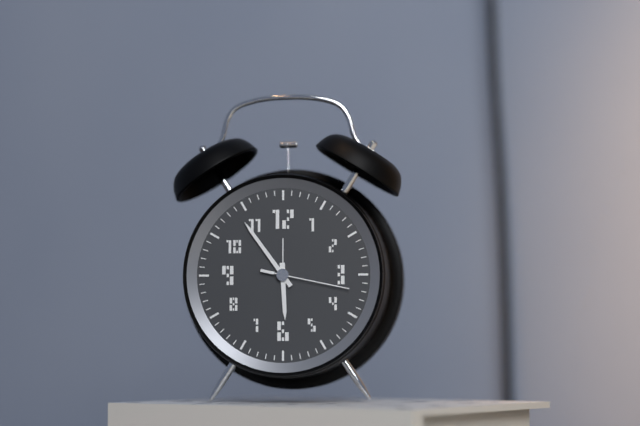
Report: {"hour": 5, "minute": 54, "second": 17}
